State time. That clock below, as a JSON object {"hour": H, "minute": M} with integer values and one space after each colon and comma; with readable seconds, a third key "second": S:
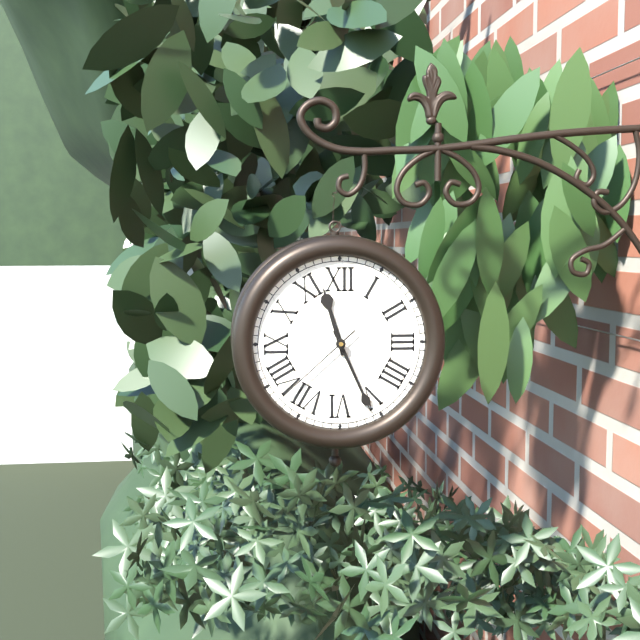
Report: {"hour": 11, "minute": 26, "second": 38}
